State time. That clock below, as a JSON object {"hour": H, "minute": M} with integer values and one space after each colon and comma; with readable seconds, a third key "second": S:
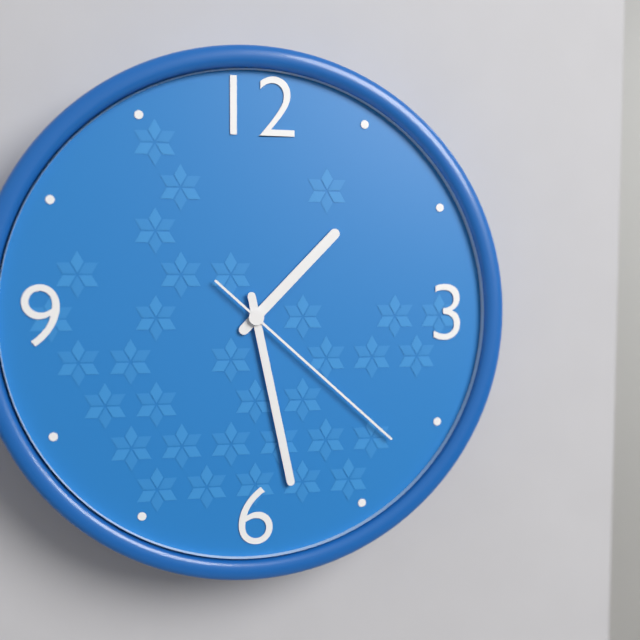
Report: {"hour": 1, "minute": 28, "second": 22}
